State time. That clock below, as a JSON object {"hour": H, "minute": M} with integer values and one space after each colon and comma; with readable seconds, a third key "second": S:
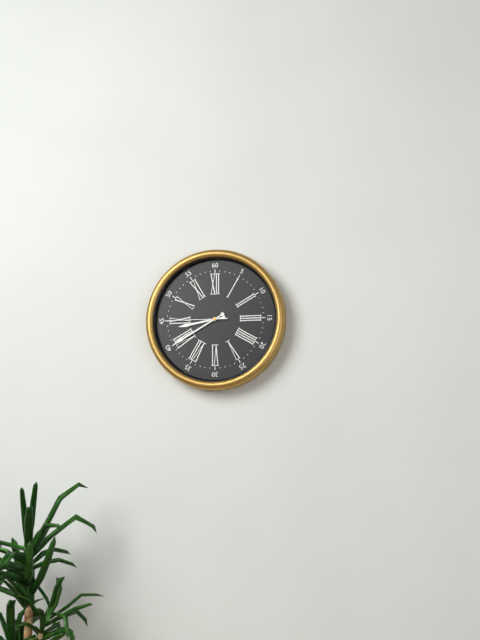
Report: {"hour": 8, "minute": 40, "second": 45}
